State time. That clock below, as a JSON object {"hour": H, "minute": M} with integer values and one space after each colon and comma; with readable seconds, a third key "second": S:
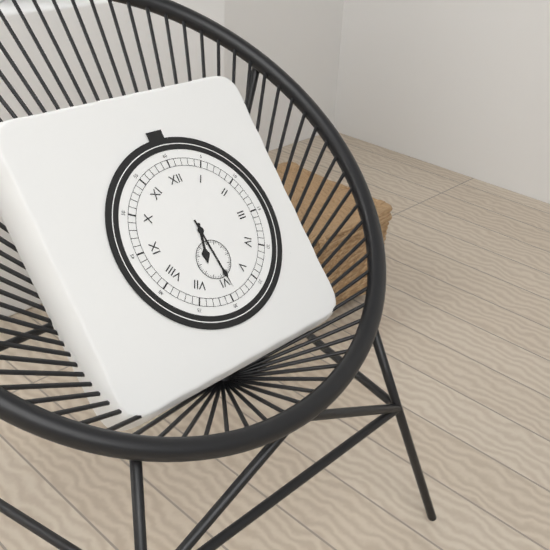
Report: {"hour": 6, "minute": 29}
